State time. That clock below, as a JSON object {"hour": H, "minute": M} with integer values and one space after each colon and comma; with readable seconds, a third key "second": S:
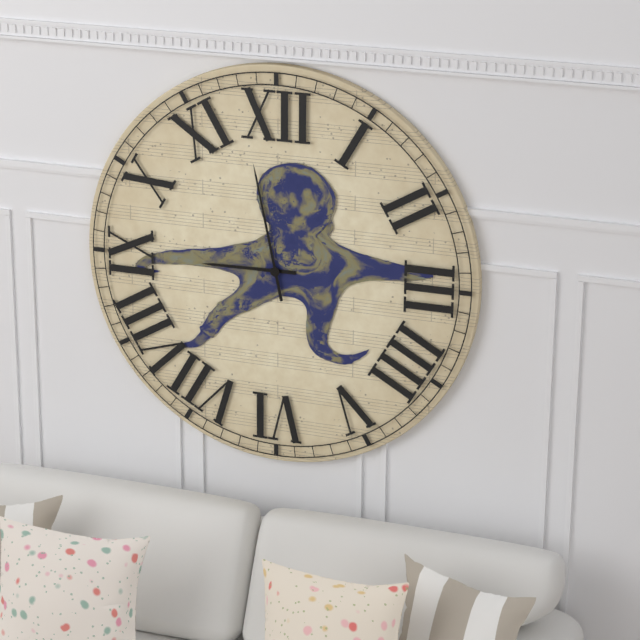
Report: {"hour": 8, "minute": 58}
